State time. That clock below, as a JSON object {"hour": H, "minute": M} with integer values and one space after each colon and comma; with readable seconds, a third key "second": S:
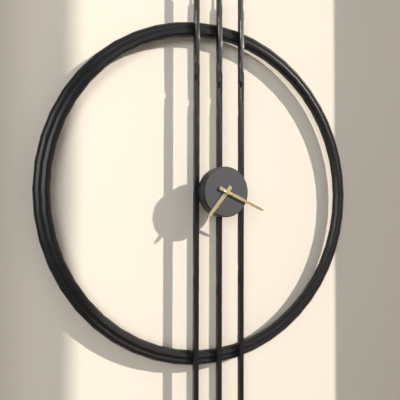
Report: {"hour": 7, "minute": 19}
